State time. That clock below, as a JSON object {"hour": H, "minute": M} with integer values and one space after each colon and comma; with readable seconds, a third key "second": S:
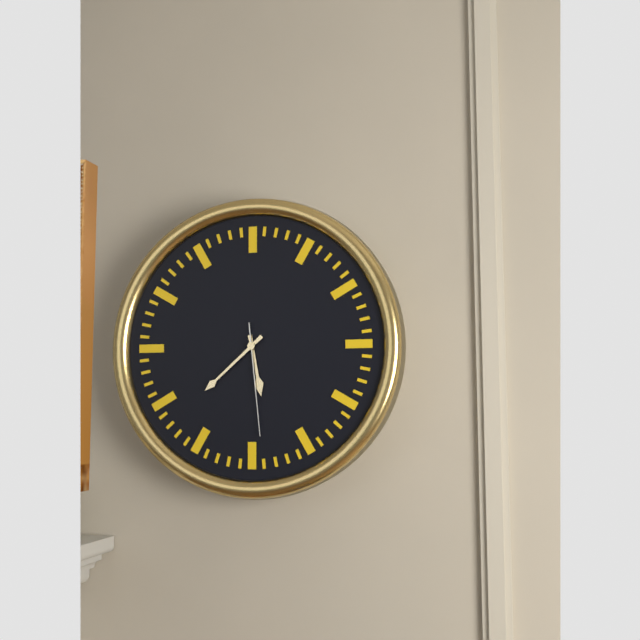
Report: {"hour": 5, "minute": 38, "second": 29}
